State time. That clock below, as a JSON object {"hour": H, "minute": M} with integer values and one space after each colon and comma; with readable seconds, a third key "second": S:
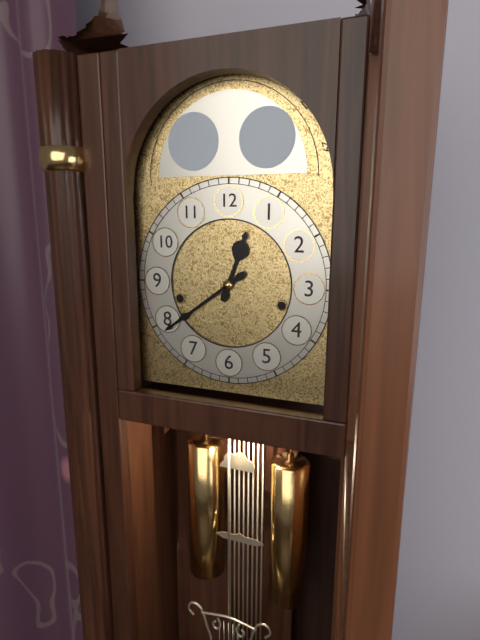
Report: {"hour": 12, "minute": 39}
